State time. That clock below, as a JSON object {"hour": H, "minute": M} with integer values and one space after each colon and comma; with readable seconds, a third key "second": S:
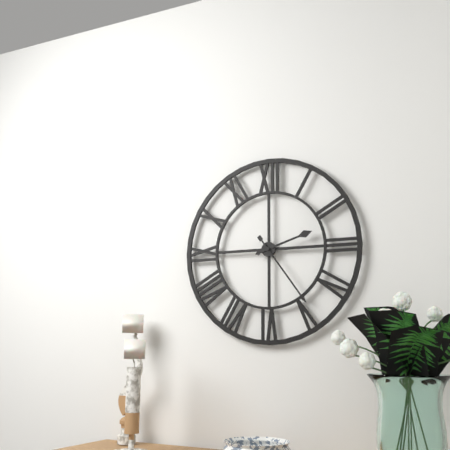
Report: {"hour": 2, "minute": 24}
